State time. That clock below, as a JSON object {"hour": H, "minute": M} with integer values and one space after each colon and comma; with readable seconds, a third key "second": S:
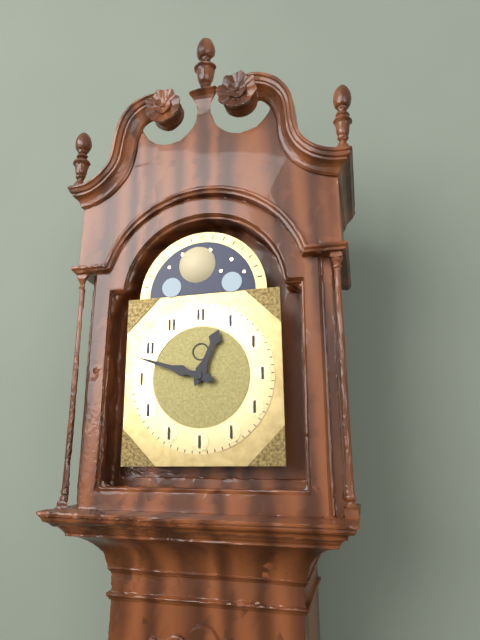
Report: {"hour": 12, "minute": 48}
